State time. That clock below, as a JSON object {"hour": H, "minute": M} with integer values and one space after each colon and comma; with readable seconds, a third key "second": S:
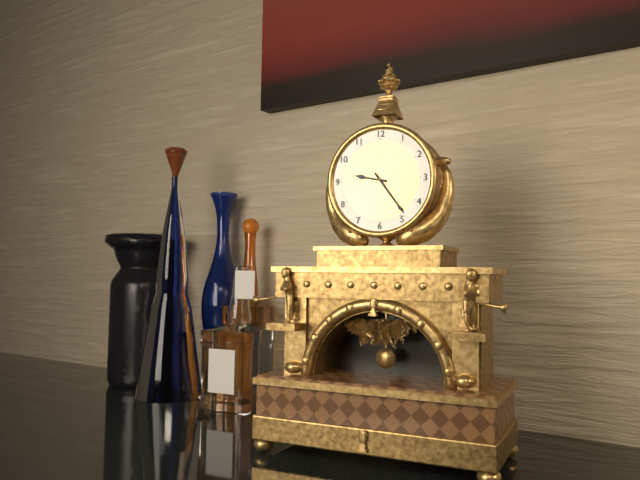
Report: {"hour": 9, "minute": 24}
